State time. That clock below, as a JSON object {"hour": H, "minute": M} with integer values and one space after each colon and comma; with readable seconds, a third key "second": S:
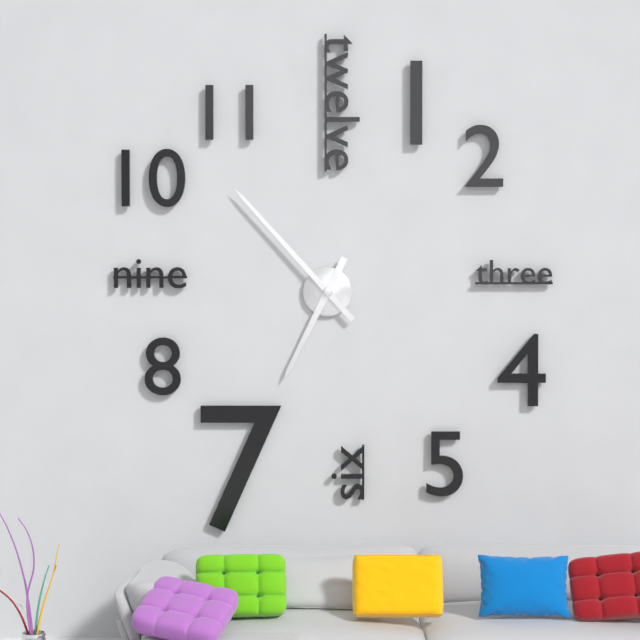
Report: {"hour": 6, "minute": 53}
